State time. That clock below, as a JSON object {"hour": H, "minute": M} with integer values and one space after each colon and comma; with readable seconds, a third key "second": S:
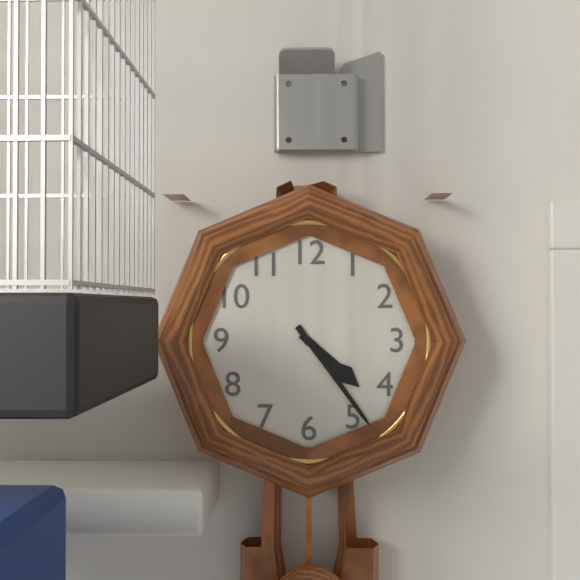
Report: {"hour": 4, "minute": 24}
